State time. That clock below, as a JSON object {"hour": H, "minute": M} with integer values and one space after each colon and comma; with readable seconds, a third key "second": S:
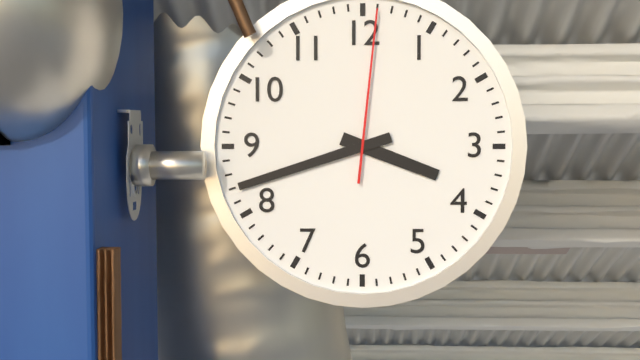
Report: {"hour": 3, "minute": 42, "second": 1}
